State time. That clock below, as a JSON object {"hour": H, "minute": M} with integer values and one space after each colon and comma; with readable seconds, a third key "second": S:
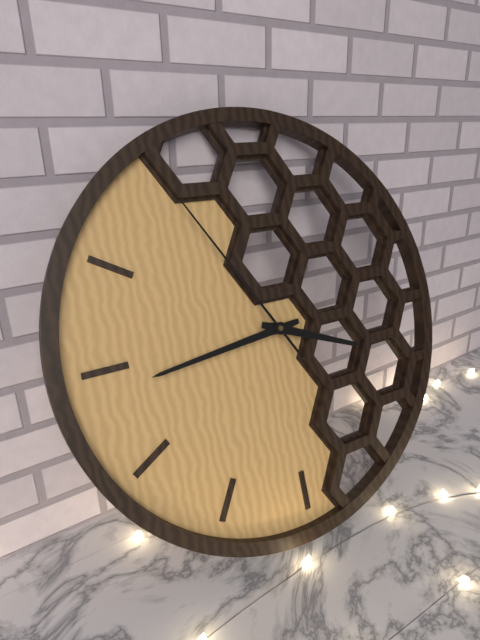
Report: {"hour": 3, "minute": 44, "second": 55}
